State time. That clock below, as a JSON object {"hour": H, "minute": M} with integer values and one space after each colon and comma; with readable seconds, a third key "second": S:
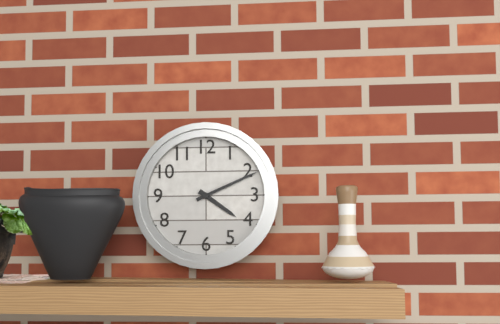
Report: {"hour": 4, "minute": 11}
